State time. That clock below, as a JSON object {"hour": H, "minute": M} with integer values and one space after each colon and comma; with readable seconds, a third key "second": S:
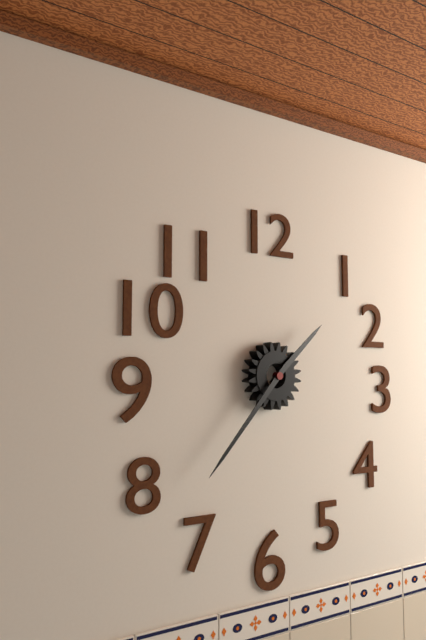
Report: {"hour": 1, "minute": 37}
